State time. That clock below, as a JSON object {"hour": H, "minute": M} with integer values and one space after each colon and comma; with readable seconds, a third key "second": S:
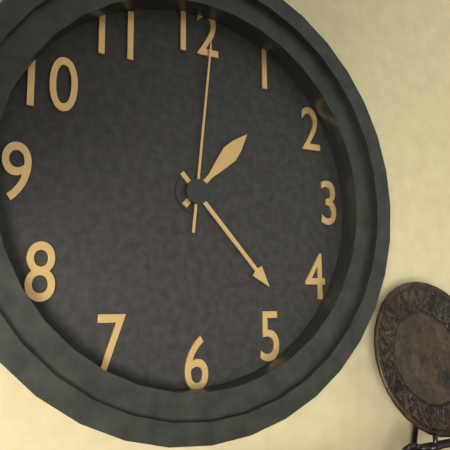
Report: {"hour": 1, "minute": 23, "second": 1}
